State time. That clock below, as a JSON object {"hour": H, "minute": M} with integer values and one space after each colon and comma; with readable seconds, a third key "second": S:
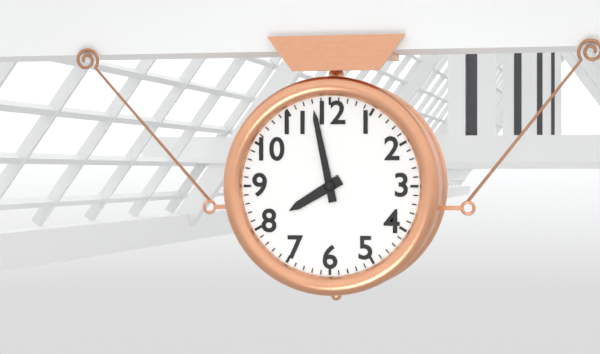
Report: {"hour": 7, "minute": 58}
